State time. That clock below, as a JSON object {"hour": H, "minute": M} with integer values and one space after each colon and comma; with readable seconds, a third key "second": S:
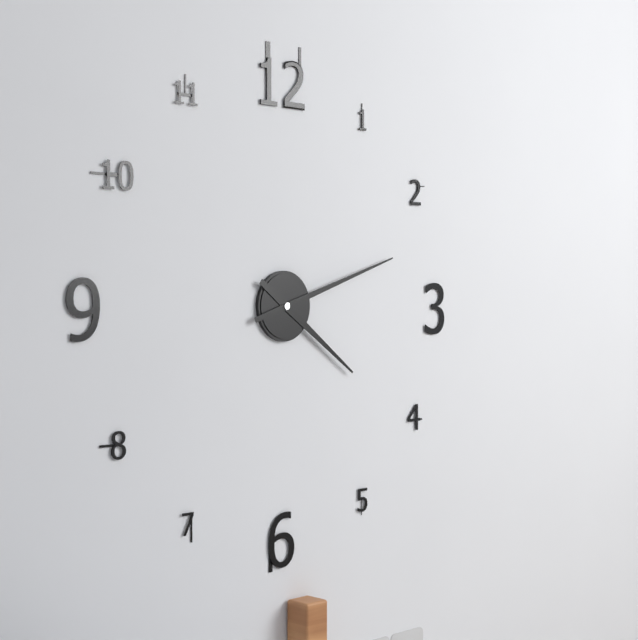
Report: {"hour": 4, "minute": 12}
